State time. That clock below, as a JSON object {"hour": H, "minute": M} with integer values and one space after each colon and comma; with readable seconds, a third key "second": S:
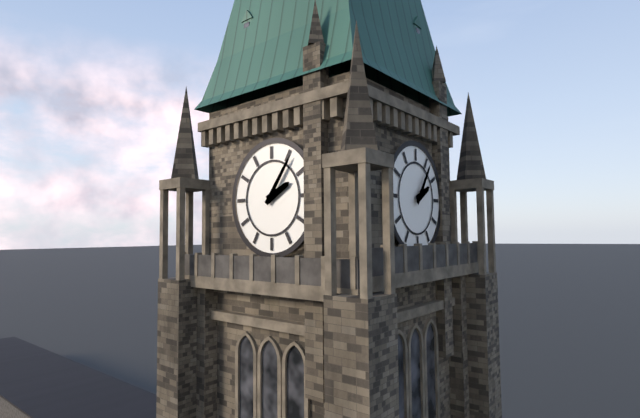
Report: {"hour": 2, "minute": 6}
